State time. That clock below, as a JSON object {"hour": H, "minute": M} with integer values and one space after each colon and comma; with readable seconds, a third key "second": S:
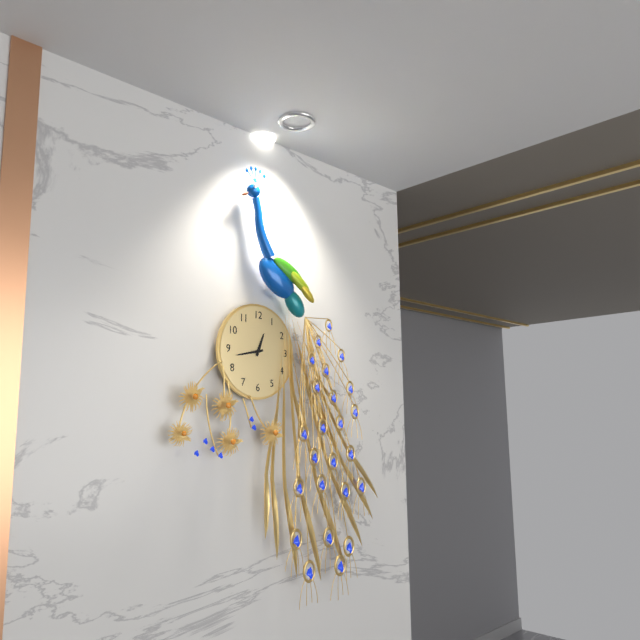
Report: {"hour": 12, "minute": 43}
